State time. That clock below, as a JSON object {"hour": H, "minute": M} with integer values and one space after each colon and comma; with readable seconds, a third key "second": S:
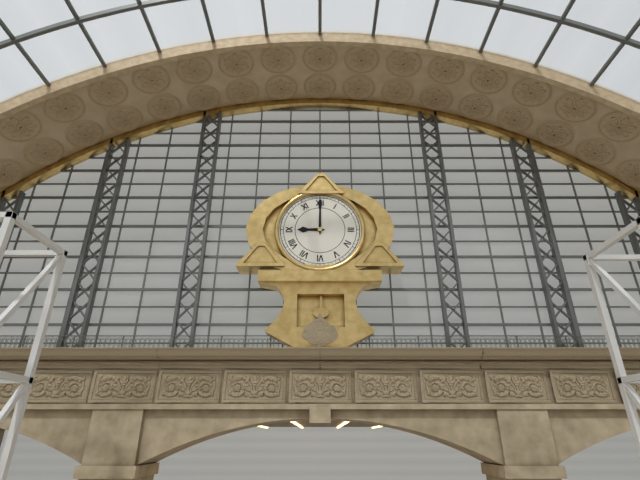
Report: {"hour": 9, "minute": 0}
